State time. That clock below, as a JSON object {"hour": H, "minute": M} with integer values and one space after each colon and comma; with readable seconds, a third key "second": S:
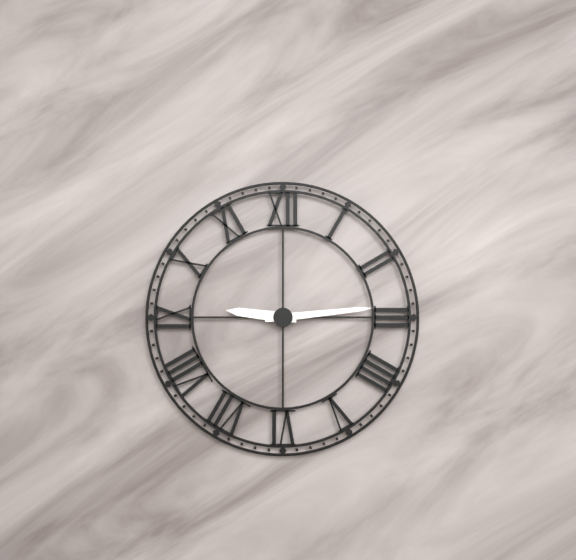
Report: {"hour": 9, "minute": 14}
